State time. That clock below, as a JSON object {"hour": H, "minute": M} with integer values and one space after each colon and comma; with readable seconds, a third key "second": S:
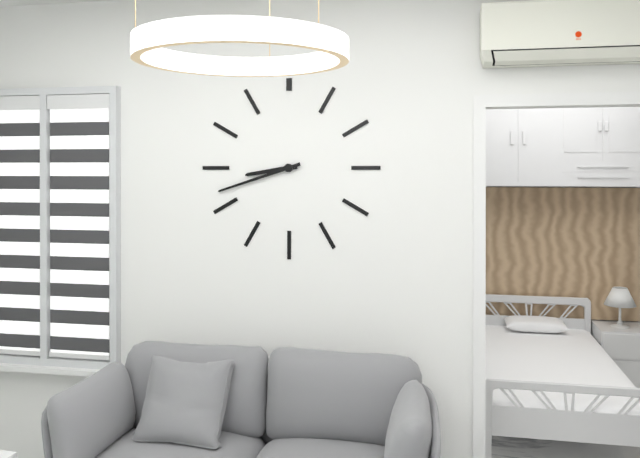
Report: {"hour": 8, "minute": 42}
